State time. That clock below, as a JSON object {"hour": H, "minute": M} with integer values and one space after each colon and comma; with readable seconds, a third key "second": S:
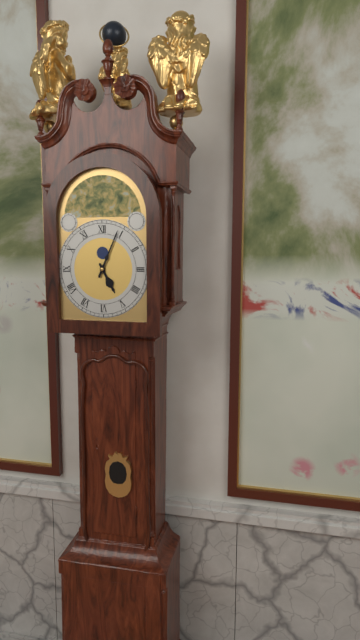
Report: {"hour": 5, "minute": 4}
